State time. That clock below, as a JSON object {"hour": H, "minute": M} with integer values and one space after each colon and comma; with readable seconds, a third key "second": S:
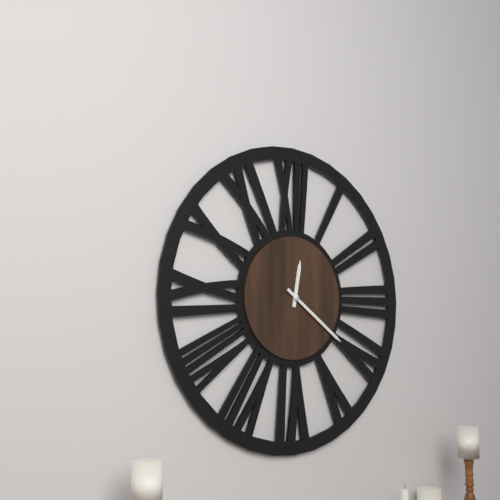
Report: {"hour": 12, "minute": 21}
